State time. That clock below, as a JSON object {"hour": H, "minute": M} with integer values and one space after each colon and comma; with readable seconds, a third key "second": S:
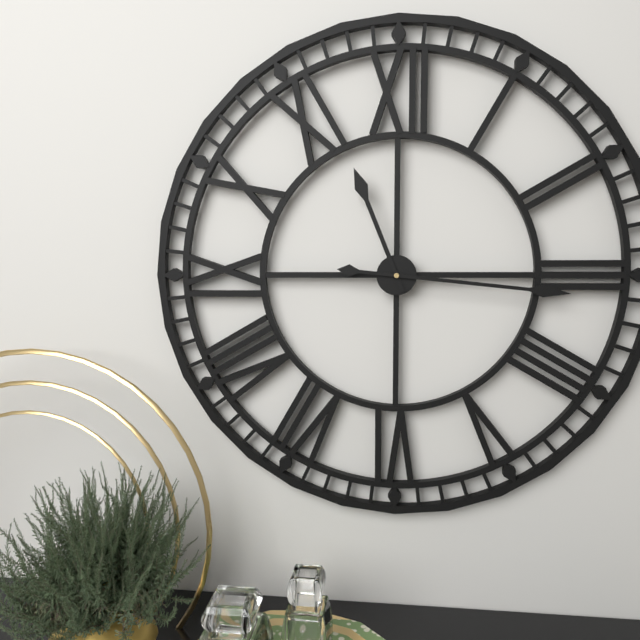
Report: {"hour": 11, "minute": 16}
